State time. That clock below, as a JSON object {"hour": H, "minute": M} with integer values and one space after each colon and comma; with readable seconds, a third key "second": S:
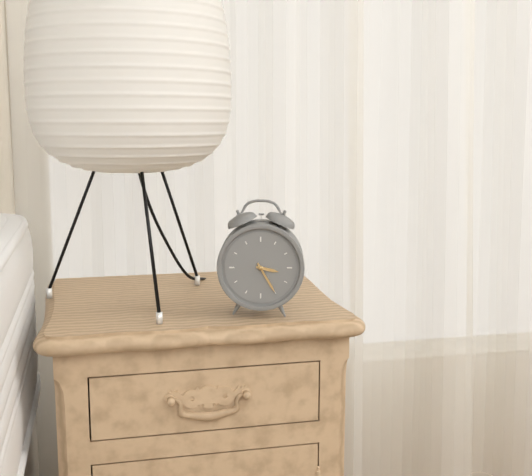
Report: {"hour": 3, "minute": 25}
